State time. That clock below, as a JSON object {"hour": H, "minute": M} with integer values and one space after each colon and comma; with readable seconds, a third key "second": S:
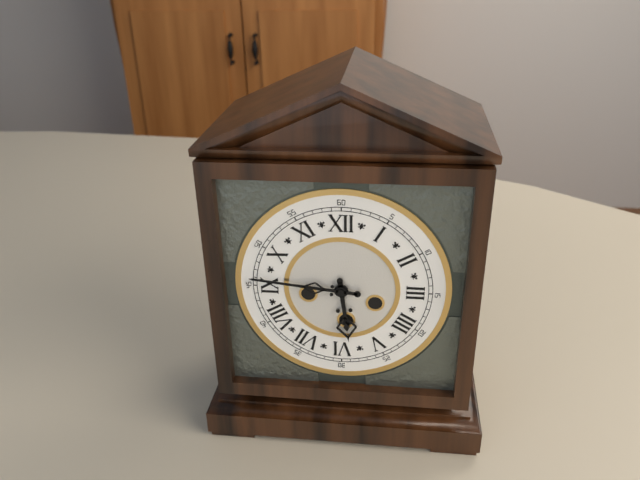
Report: {"hour": 5, "minute": 46}
